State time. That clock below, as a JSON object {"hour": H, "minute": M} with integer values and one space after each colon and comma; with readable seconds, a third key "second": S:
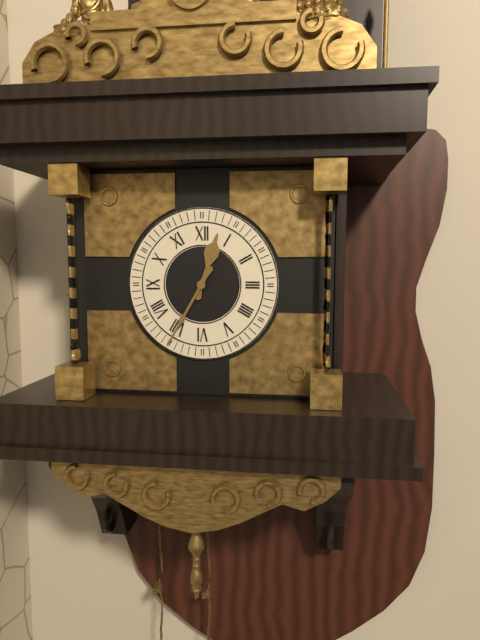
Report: {"hour": 12, "minute": 35}
